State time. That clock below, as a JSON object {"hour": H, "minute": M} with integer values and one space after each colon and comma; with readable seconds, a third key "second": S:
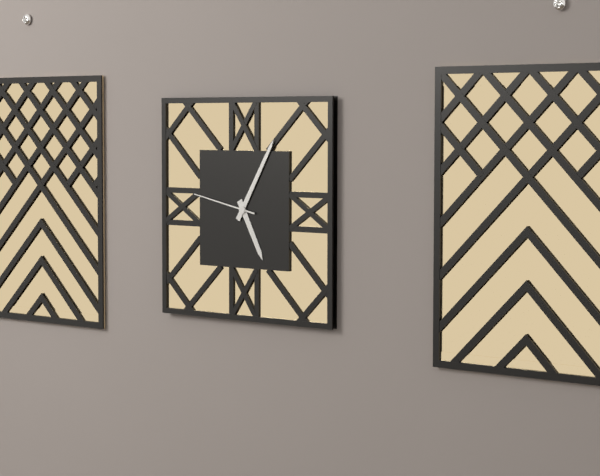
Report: {"hour": 5, "minute": 5, "second": 47}
